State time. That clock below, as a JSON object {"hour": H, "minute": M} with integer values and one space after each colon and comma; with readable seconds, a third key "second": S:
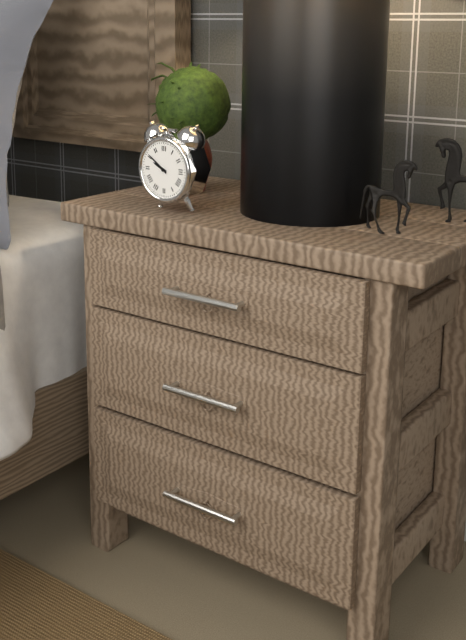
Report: {"hour": 9, "minute": 51}
